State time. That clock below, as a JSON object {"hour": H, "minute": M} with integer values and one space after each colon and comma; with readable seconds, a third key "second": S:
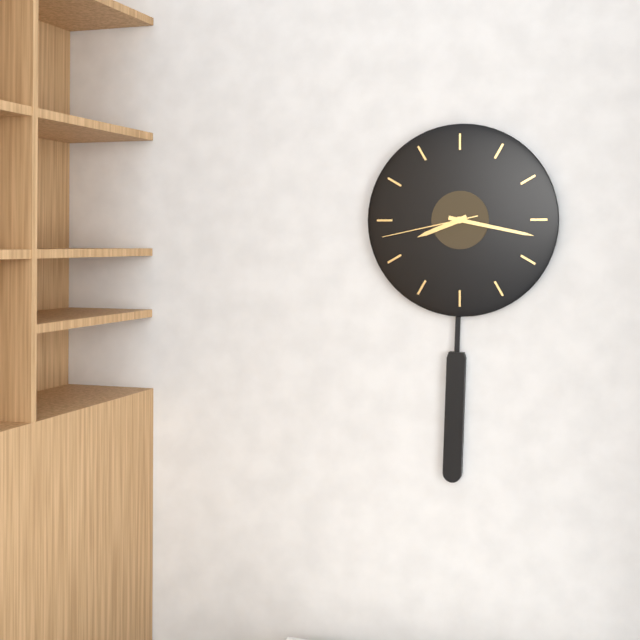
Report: {"hour": 8, "minute": 17, "second": 43}
